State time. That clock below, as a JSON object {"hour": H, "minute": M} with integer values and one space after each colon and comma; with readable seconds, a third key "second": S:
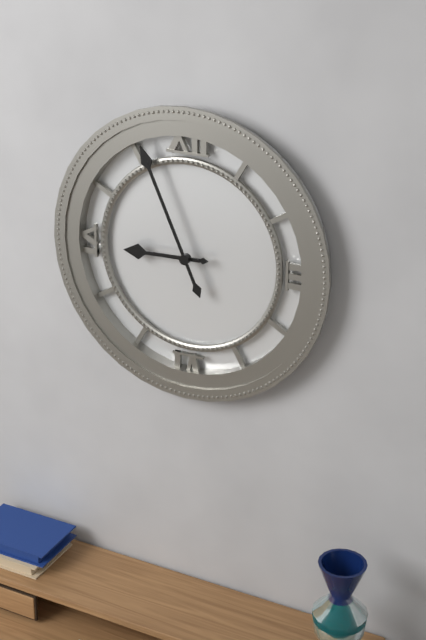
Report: {"hour": 8, "minute": 56}
